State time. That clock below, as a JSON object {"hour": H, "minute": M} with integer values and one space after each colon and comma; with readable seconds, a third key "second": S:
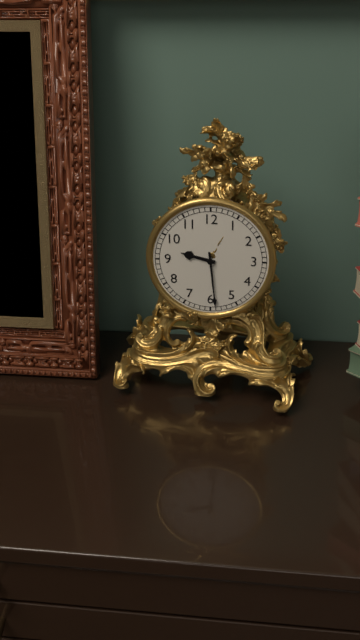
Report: {"hour": 9, "minute": 29}
